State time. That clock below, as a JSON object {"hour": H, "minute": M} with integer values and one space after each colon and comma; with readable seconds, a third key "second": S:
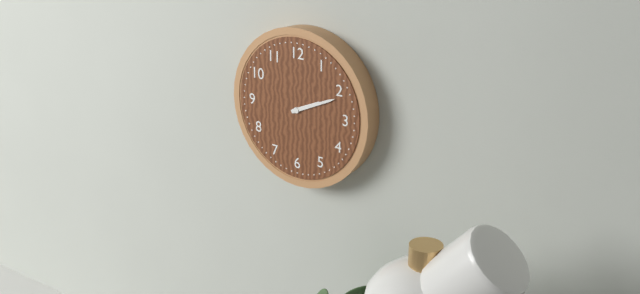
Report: {"hour": 2, "minute": 11}
